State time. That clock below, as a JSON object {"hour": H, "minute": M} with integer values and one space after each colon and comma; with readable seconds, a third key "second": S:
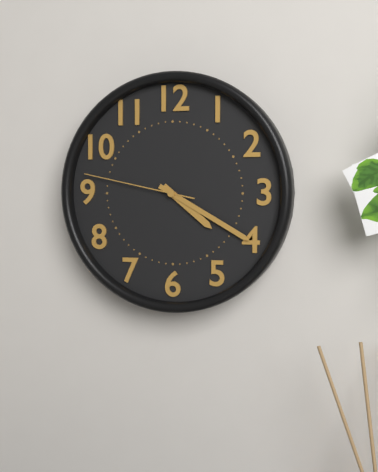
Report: {"hour": 4, "minute": 20, "second": 47}
